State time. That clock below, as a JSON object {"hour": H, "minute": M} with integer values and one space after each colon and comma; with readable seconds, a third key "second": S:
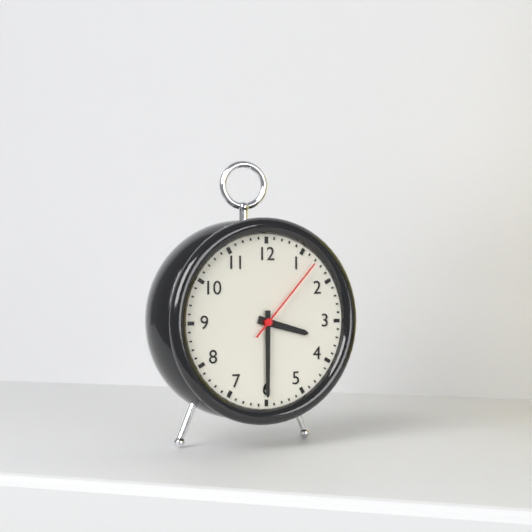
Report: {"hour": 3, "minute": 30, "second": 7}
